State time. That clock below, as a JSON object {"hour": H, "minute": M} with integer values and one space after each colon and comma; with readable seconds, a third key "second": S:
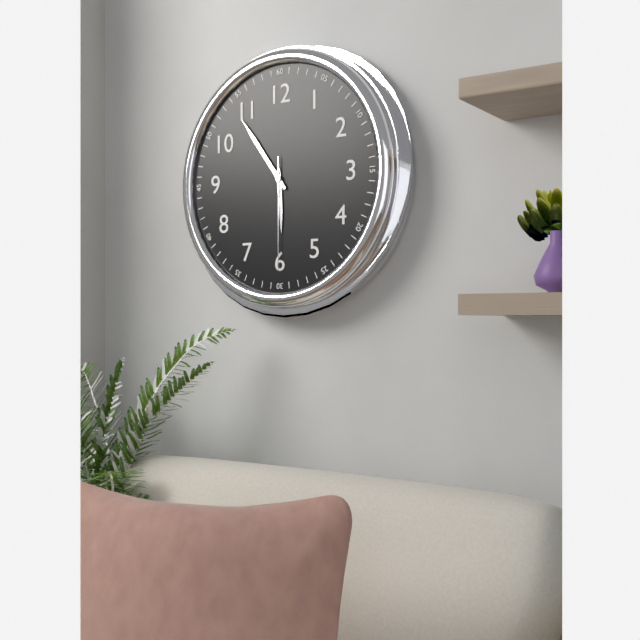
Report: {"hour": 5, "minute": 54, "second": 30}
